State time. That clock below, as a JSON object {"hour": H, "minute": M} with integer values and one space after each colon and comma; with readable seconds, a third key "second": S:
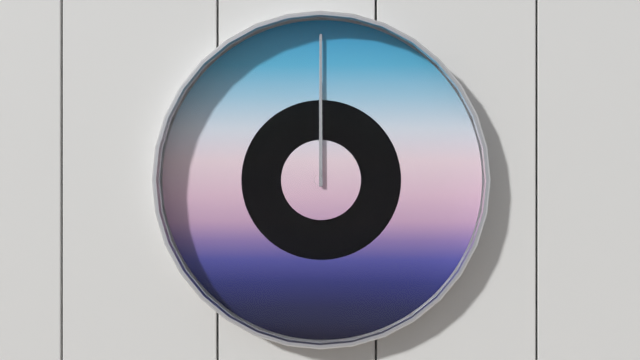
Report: {"hour": 12, "minute": 0}
